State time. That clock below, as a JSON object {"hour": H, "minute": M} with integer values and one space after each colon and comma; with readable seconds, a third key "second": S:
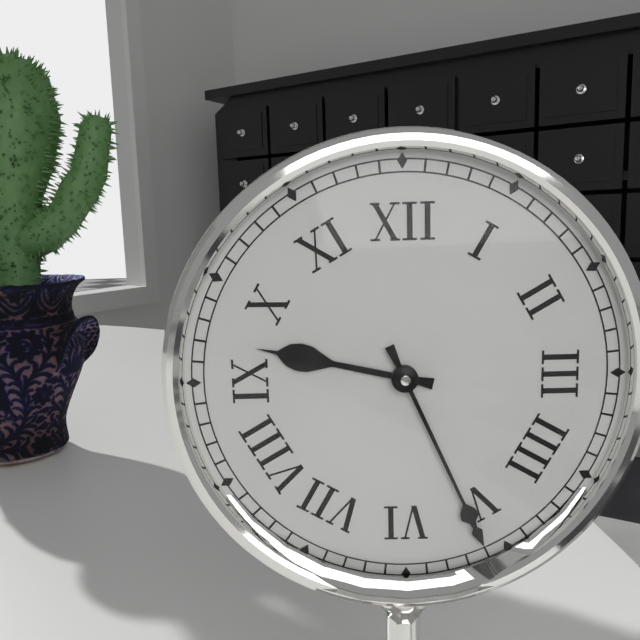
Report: {"hour": 9, "minute": 26}
